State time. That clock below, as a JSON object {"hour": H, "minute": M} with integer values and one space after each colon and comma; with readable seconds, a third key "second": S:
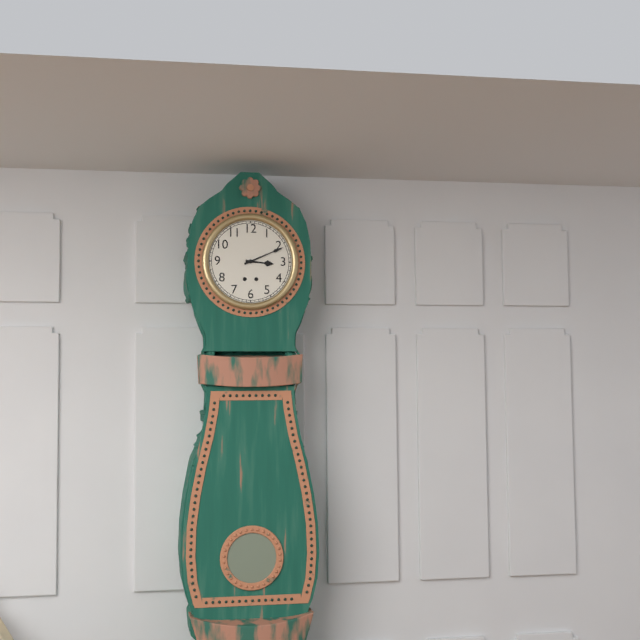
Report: {"hour": 3, "minute": 11}
